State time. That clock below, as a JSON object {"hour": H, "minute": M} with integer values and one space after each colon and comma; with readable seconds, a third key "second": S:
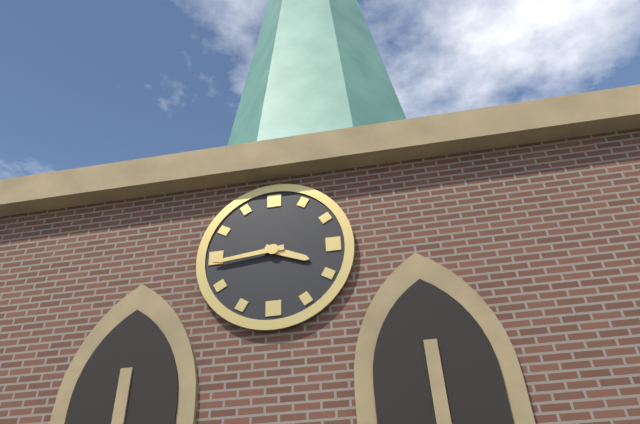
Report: {"hour": 3, "minute": 44}
